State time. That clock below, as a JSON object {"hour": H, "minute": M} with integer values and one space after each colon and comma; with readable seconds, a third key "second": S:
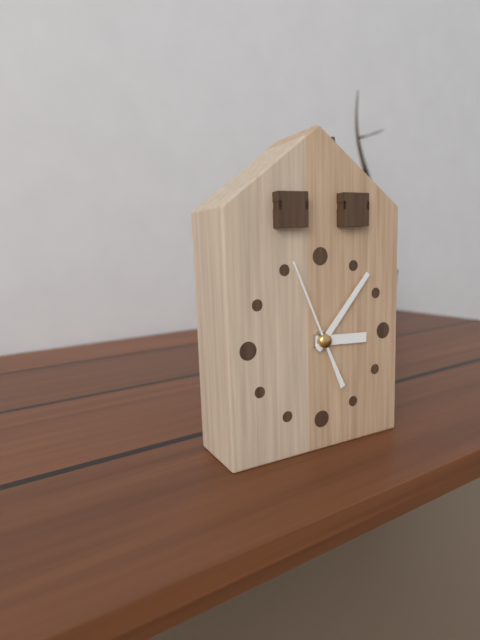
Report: {"hour": 3, "minute": 7, "second": 56}
